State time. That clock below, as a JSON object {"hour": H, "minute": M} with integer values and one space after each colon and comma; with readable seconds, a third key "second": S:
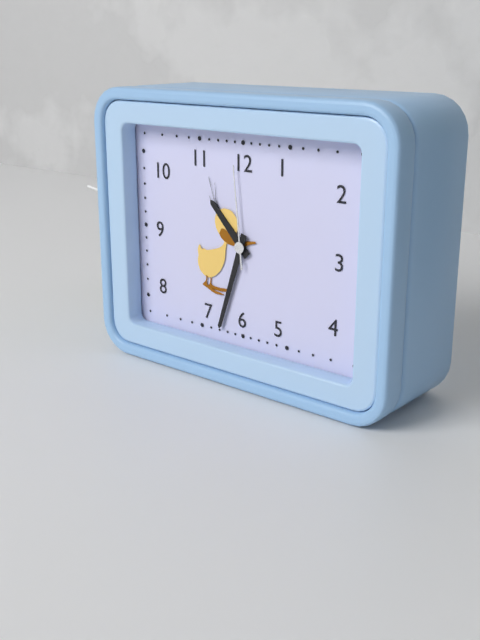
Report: {"hour": 10, "minute": 33, "second": 59}
